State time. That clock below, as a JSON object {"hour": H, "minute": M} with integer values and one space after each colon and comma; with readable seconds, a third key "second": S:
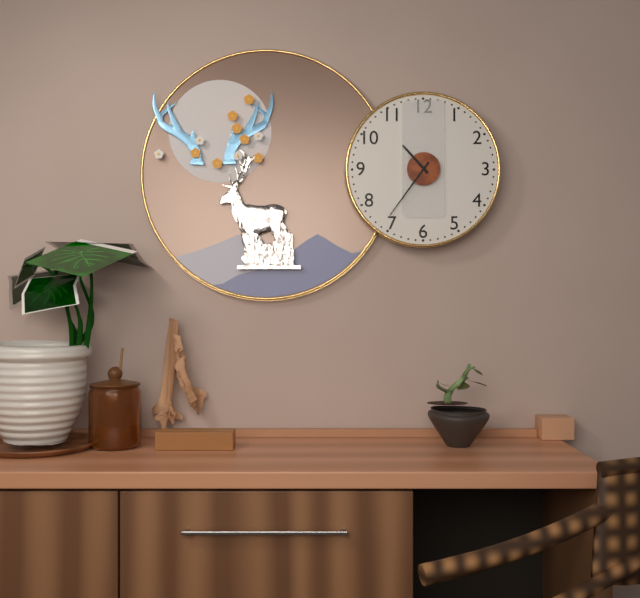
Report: {"hour": 10, "minute": 36}
